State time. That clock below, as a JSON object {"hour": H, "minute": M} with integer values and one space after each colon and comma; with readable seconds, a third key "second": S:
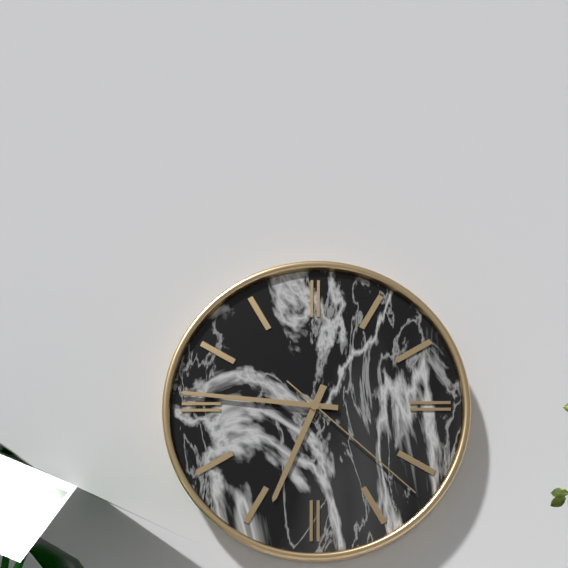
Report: {"hour": 6, "minute": 46, "second": 22}
